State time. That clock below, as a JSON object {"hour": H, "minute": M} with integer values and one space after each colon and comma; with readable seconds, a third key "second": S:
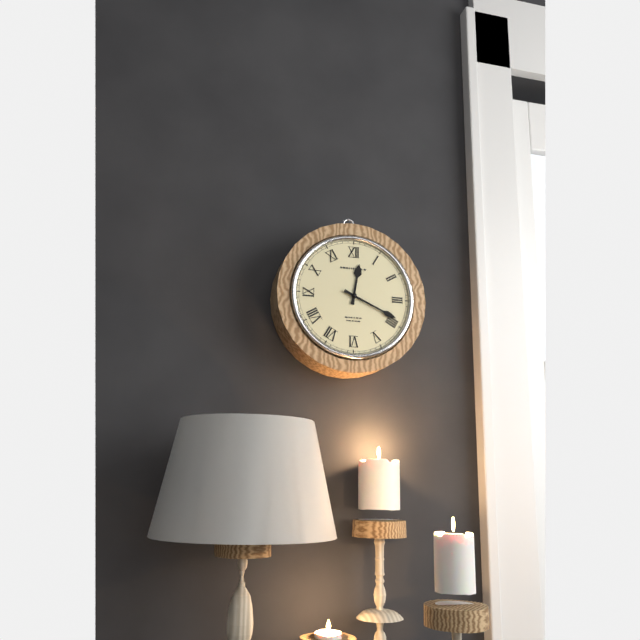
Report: {"hour": 12, "minute": 19}
